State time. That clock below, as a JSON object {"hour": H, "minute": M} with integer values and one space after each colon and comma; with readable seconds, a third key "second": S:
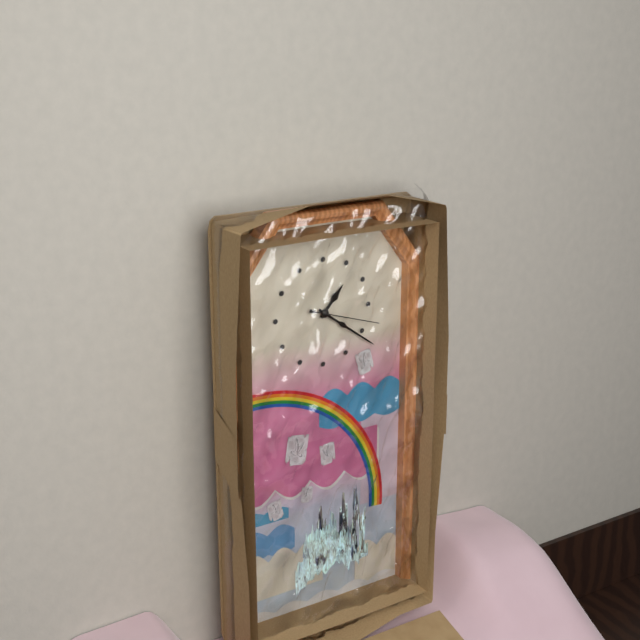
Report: {"hour": 1, "minute": 21, "second": 18}
